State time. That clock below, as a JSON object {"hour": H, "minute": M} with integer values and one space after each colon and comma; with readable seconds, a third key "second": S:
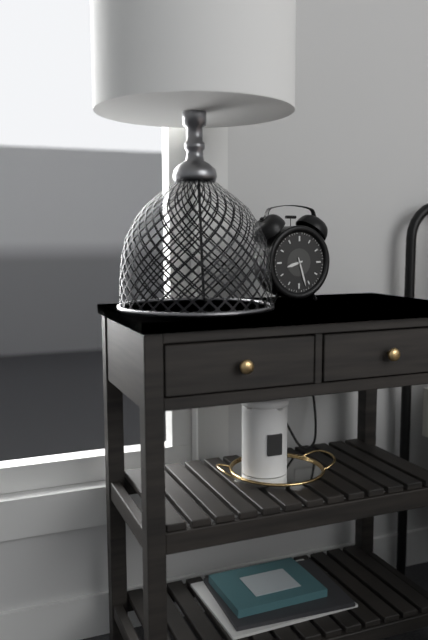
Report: {"hour": 8, "minute": 27}
